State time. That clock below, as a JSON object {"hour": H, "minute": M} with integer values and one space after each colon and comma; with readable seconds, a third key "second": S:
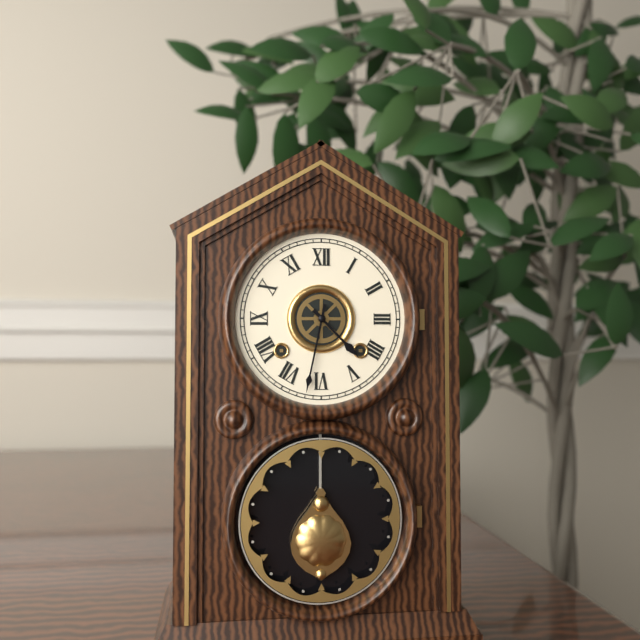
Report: {"hour": 4, "minute": 32}
